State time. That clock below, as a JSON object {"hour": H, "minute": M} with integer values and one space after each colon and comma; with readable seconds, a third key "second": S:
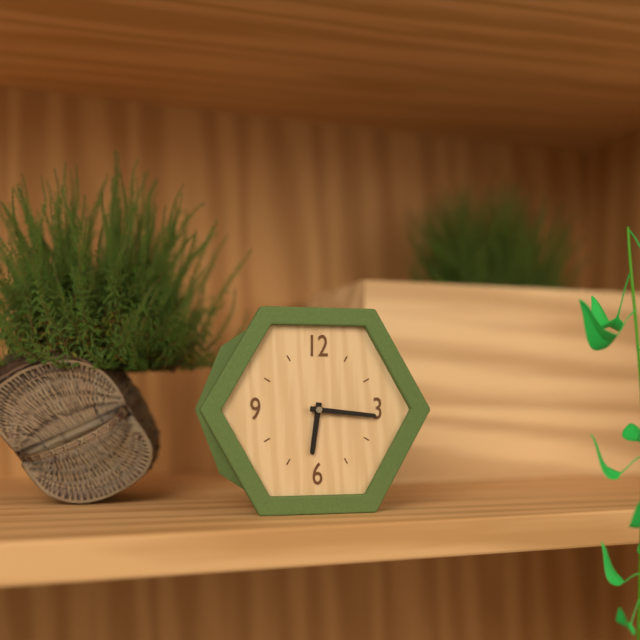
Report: {"hour": 6, "minute": 16}
